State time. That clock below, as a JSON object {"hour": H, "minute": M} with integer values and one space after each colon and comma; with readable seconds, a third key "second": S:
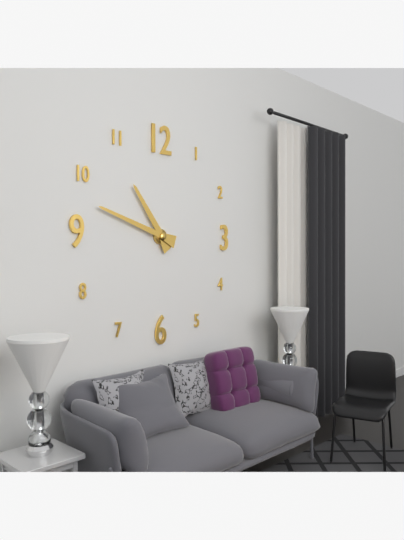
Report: {"hour": 10, "minute": 48}
